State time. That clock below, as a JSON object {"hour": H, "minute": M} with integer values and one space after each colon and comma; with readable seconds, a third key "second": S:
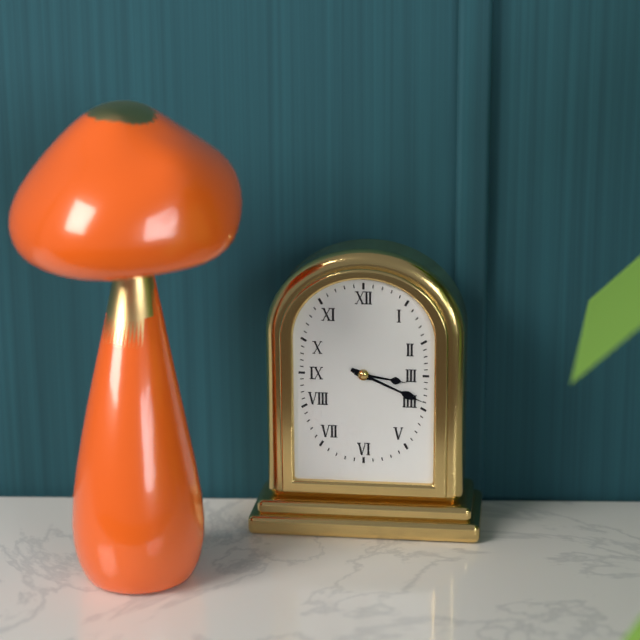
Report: {"hour": 3, "minute": 19}
